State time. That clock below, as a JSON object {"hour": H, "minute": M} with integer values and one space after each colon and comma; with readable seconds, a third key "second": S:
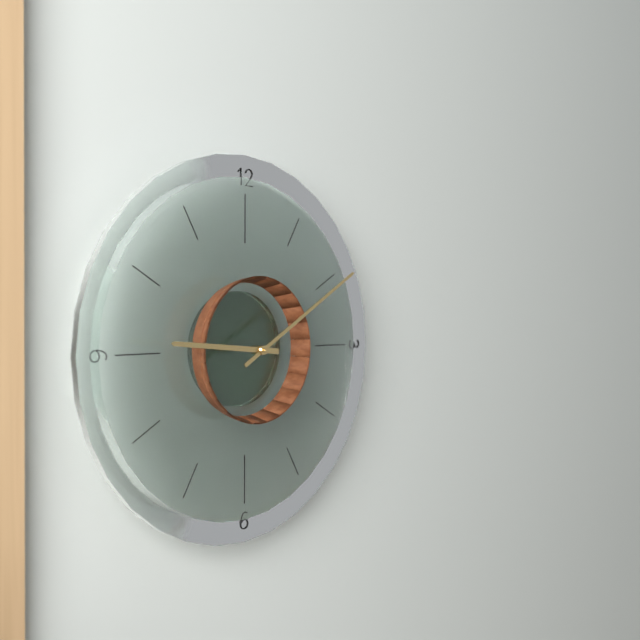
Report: {"hour": 9, "minute": 10}
